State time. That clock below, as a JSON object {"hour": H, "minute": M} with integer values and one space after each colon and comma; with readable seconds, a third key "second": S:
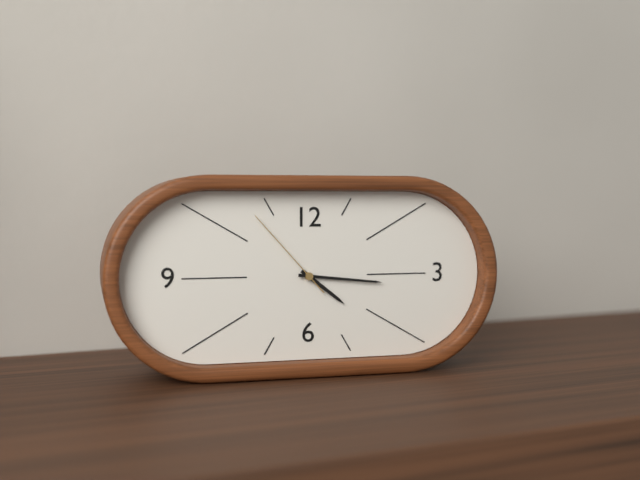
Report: {"hour": 4, "minute": 16, "second": 53}
